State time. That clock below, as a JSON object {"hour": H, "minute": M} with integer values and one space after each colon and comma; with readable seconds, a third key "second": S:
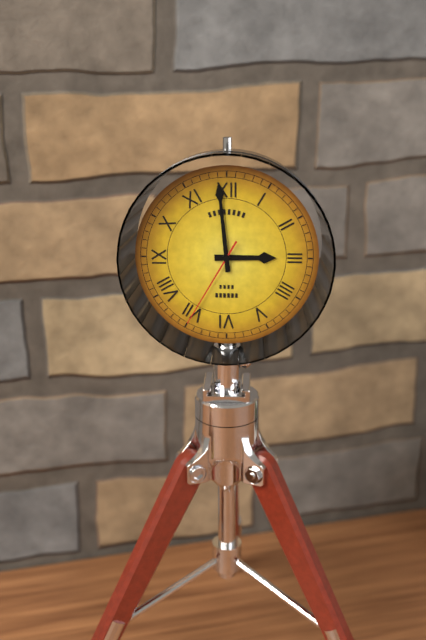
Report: {"hour": 2, "minute": 59, "second": 35}
